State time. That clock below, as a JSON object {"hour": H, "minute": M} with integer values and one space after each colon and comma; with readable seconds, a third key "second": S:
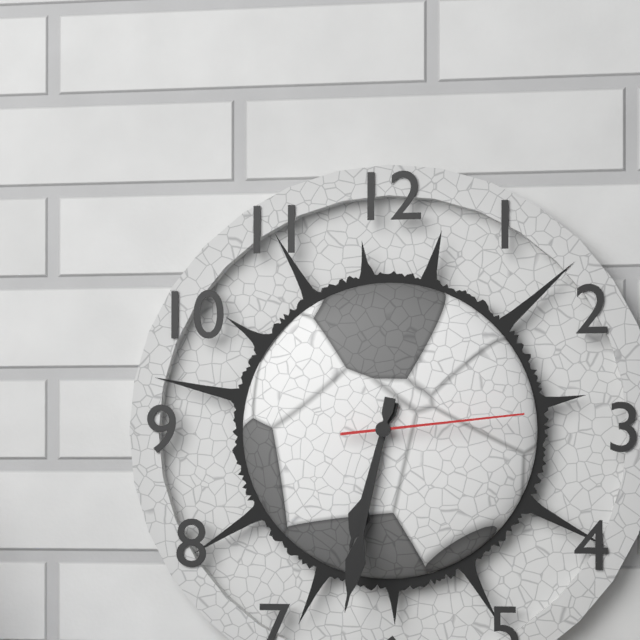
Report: {"hour": 6, "minute": 32, "second": 14}
